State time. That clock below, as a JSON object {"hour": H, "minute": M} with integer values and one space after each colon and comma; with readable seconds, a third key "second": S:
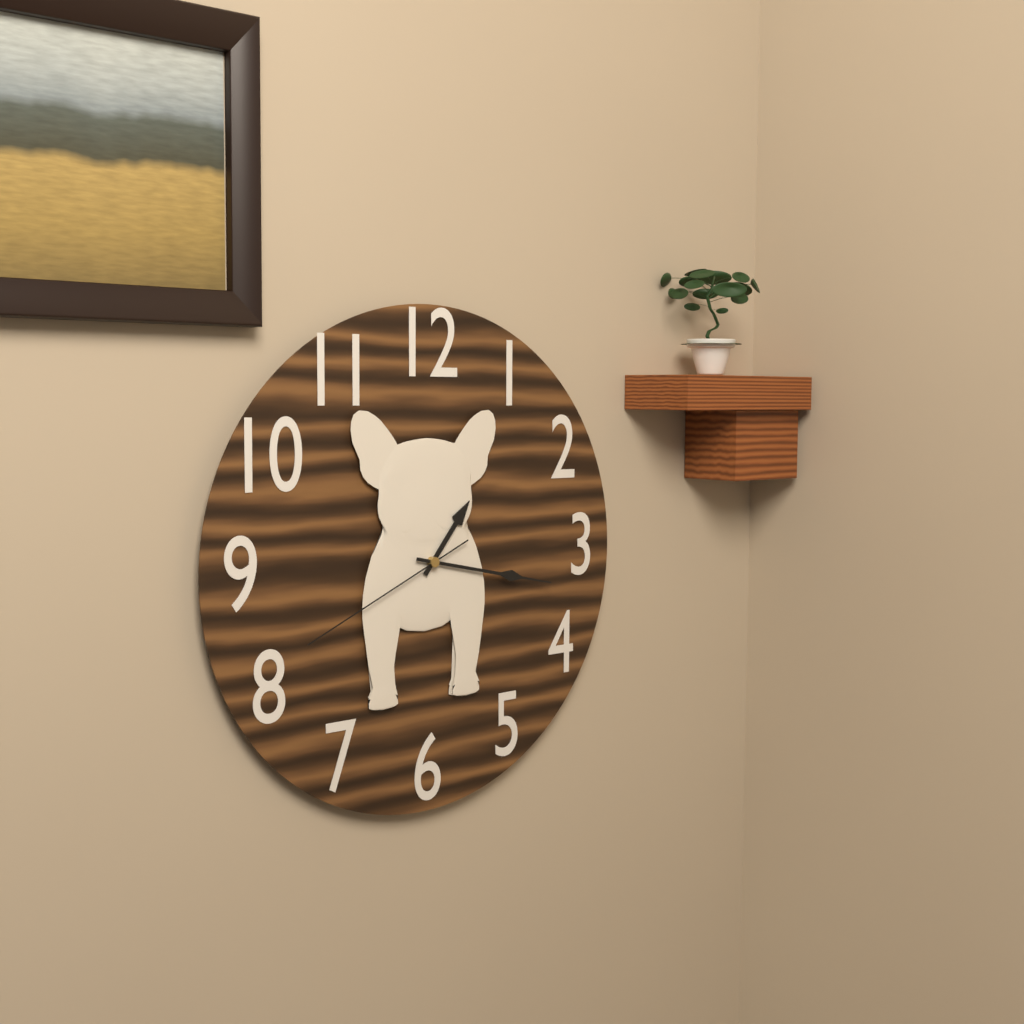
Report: {"hour": 1, "minute": 17, "second": 41}
